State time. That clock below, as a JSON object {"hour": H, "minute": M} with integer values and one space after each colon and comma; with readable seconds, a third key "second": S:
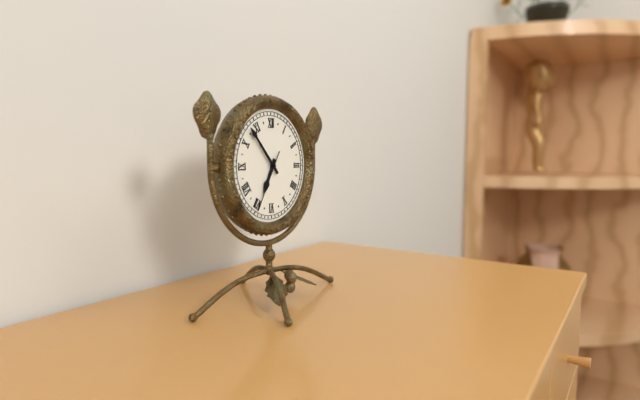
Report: {"hour": 6, "minute": 53, "second": 35}
